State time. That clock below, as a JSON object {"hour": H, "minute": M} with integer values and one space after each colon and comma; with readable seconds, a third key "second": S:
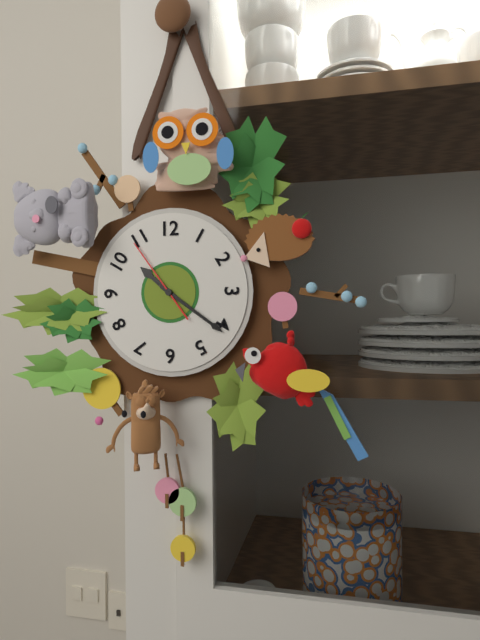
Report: {"hour": 10, "minute": 21, "second": 54}
